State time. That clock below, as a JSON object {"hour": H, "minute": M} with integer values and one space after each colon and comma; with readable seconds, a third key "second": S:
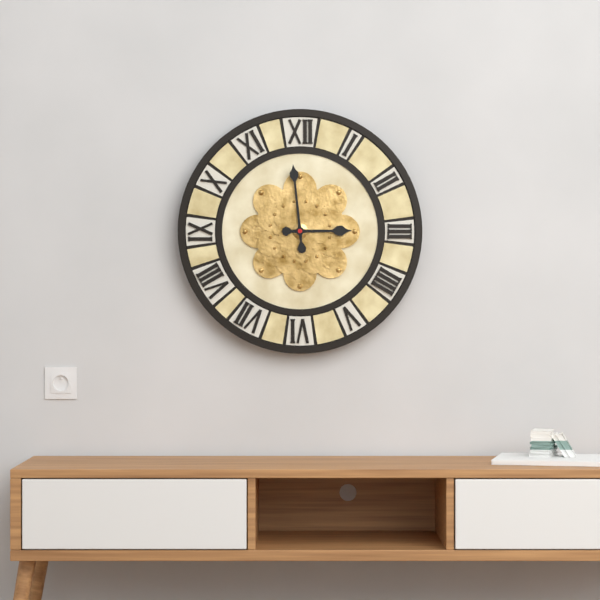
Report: {"hour": 2, "minute": 59}
